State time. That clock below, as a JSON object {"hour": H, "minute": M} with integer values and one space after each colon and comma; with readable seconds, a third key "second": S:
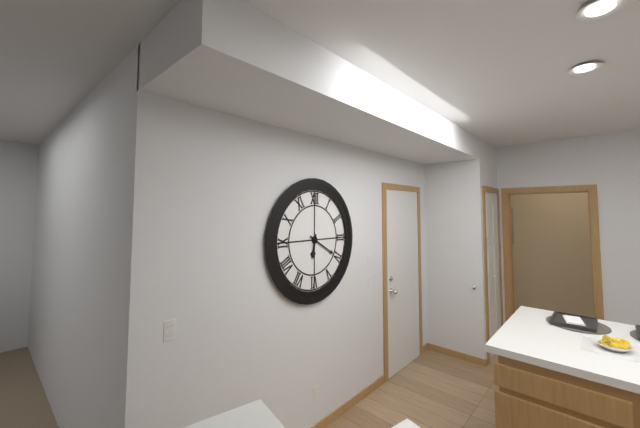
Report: {"hour": 6, "minute": 20}
